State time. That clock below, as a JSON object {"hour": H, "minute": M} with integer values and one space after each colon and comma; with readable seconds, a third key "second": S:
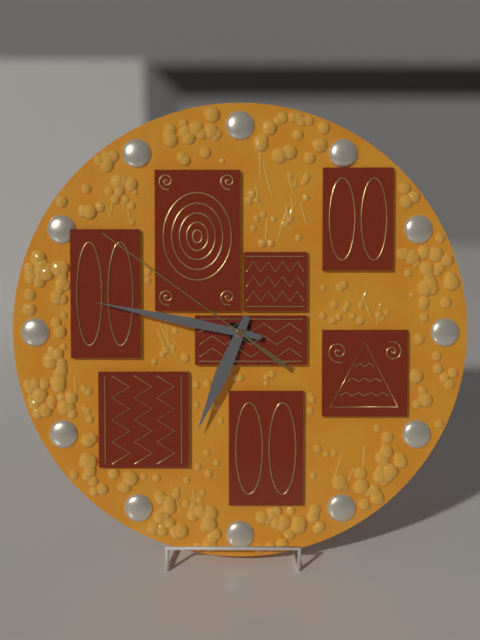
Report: {"hour": 6, "minute": 47, "second": 51}
